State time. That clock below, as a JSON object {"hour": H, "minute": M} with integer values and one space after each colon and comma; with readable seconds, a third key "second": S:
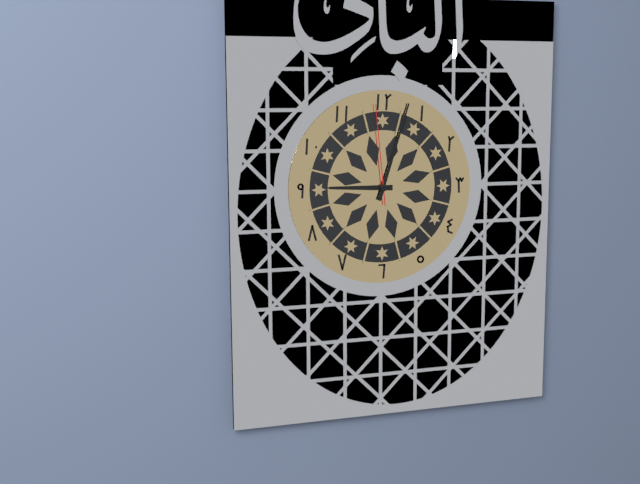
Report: {"hour": 9, "minute": 3, "second": 59}
